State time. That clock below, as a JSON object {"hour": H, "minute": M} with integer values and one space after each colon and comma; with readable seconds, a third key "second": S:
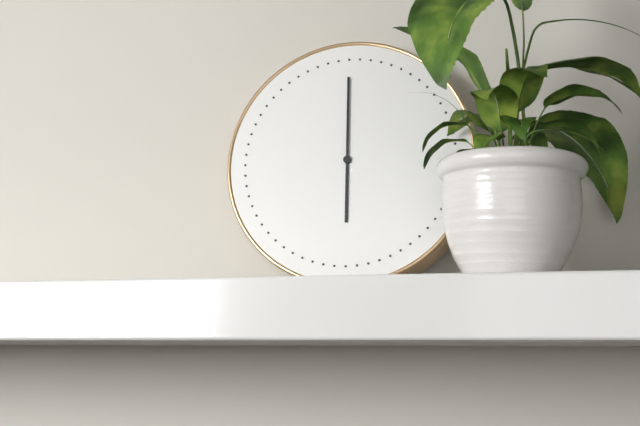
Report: {"hour": 6, "minute": 0}
